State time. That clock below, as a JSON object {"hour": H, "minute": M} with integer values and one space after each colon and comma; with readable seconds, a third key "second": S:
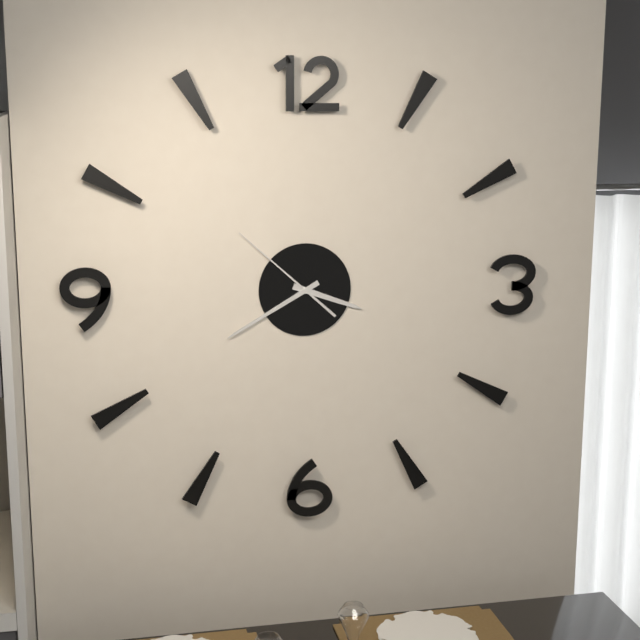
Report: {"hour": 3, "minute": 40, "second": 52}
